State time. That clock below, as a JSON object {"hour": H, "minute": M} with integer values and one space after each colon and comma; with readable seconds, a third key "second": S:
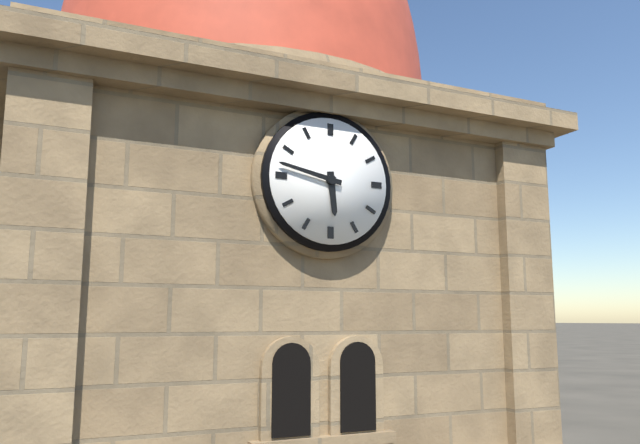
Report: {"hour": 5, "minute": 47}
